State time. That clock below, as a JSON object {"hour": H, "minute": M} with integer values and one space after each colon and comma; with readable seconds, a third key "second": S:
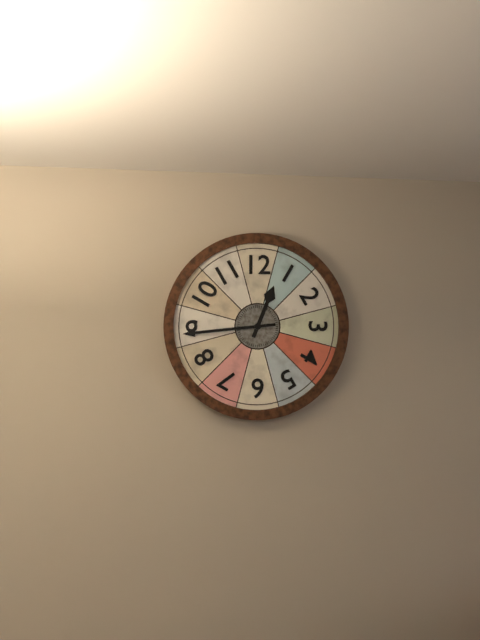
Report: {"hour": 12, "minute": 44}
